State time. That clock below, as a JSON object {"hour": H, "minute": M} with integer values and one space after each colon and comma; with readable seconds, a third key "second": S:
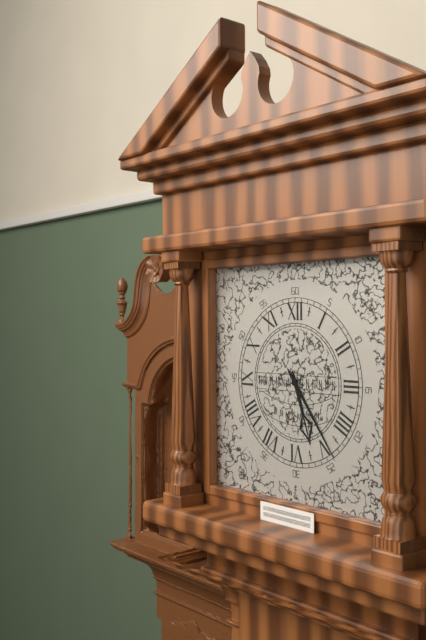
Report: {"hour": 5, "minute": 24}
